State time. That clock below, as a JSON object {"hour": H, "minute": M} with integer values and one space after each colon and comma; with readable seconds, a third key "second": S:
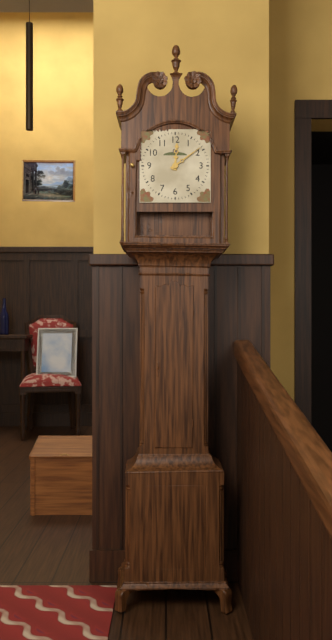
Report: {"hour": 12, "minute": 9}
